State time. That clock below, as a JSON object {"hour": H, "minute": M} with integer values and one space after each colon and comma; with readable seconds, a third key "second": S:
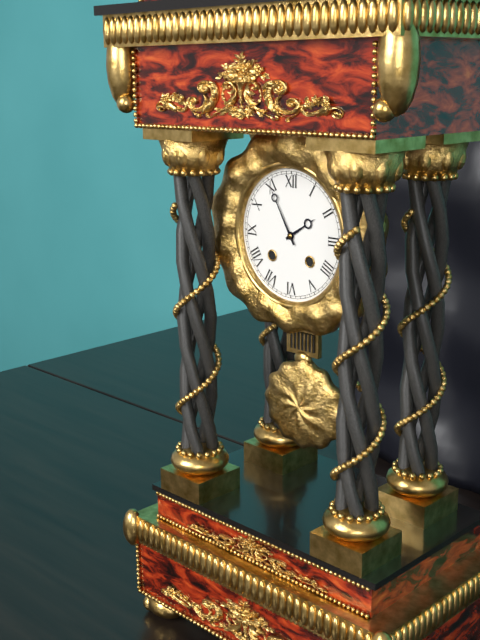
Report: {"hour": 1, "minute": 55}
